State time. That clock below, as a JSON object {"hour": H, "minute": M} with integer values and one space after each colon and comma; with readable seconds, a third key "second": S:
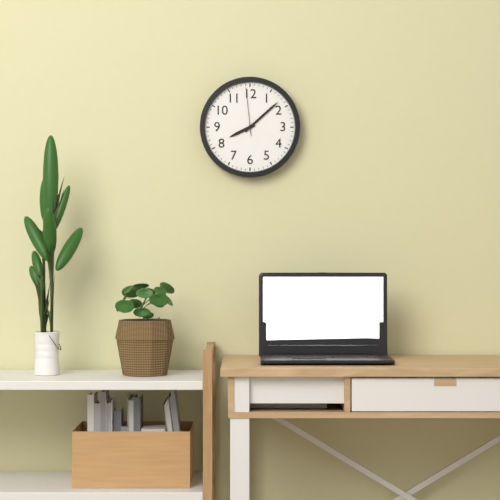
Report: {"hour": 8, "minute": 8}
